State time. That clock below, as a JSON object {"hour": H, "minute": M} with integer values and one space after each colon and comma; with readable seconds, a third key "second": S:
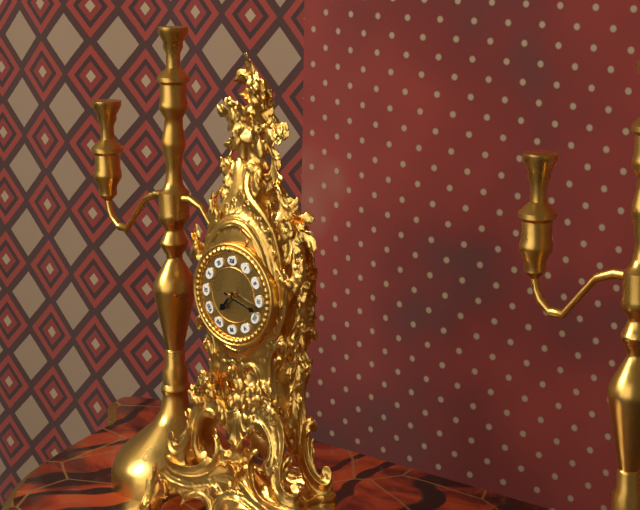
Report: {"hour": 7, "minute": 18}
